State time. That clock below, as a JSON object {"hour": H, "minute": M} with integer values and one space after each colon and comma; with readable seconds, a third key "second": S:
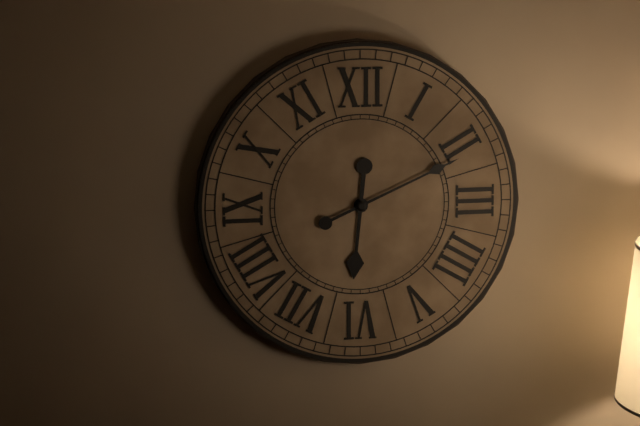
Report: {"hour": 6, "minute": 11}
